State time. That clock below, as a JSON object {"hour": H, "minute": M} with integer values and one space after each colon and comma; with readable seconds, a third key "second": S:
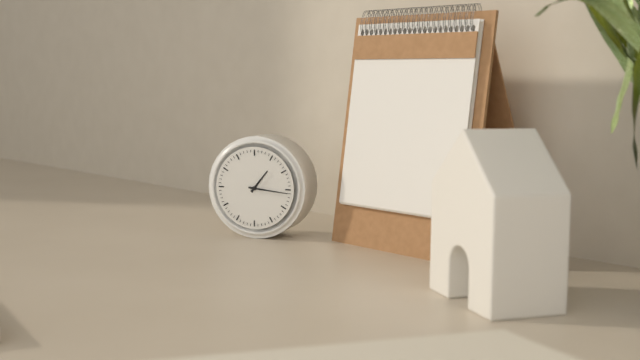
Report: {"hour": 1, "minute": 16}
